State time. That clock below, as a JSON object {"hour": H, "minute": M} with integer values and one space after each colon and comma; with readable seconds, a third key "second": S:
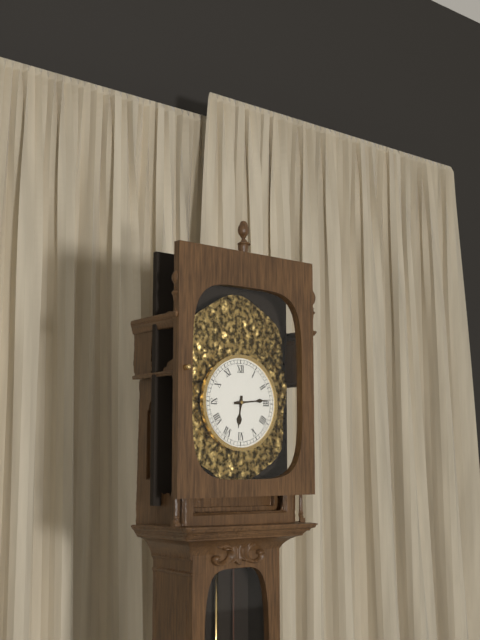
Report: {"hour": 6, "minute": 14}
